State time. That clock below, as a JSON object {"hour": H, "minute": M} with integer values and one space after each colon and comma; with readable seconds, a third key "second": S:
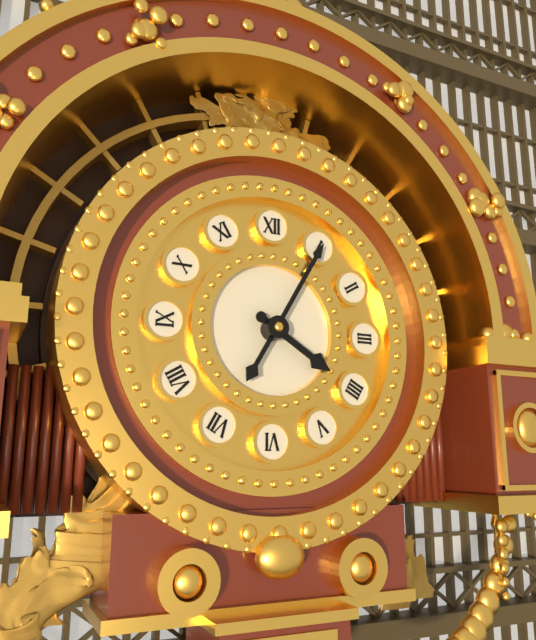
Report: {"hour": 4, "minute": 5}
